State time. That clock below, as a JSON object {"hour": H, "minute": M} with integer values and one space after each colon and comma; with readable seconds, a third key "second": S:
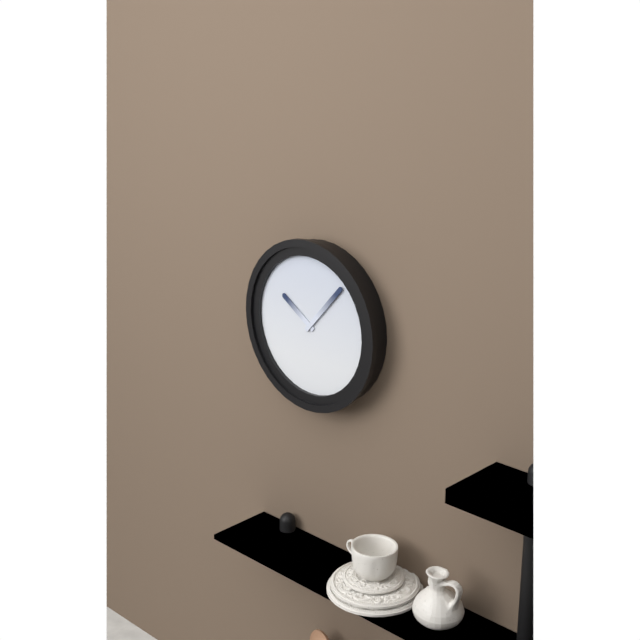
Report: {"hour": 10, "minute": 7}
